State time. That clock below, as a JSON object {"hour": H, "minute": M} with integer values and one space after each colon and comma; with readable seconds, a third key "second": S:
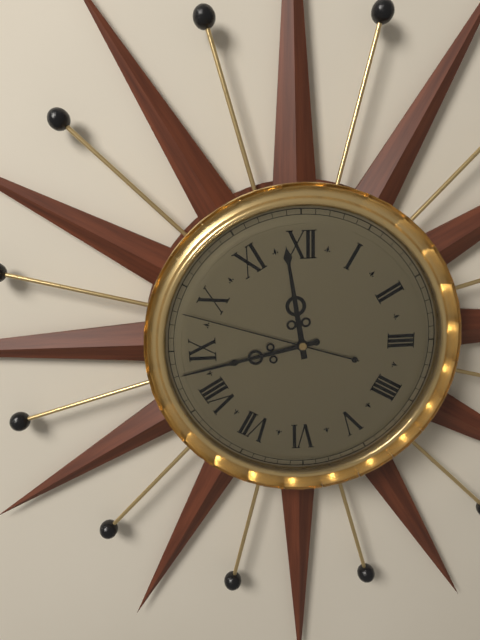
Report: {"hour": 11, "minute": 43, "second": 48}
